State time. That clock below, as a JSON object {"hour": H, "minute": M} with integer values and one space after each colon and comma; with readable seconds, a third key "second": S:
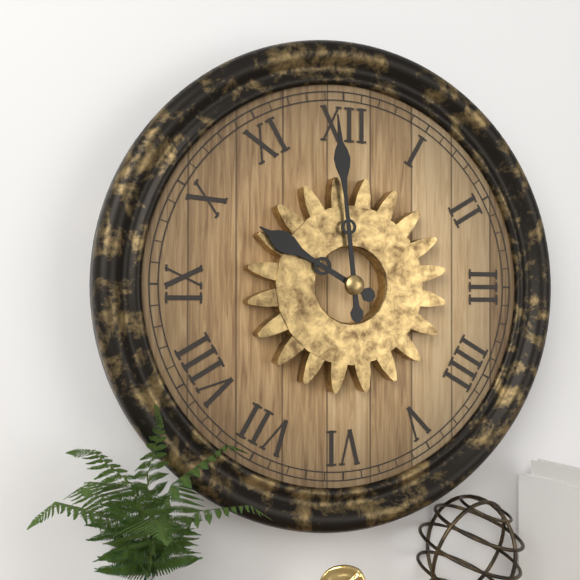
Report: {"hour": 9, "minute": 59}
